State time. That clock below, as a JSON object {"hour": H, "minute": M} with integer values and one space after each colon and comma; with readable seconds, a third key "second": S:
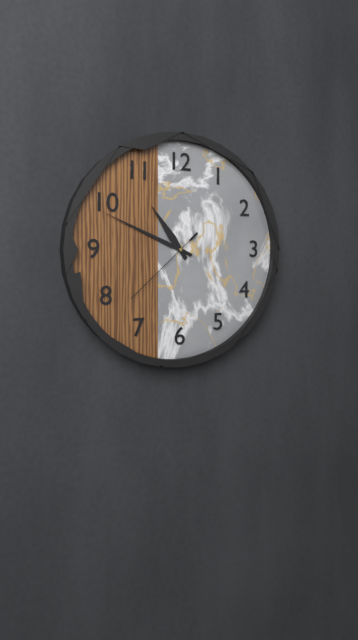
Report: {"hour": 10, "minute": 49, "second": 38}
